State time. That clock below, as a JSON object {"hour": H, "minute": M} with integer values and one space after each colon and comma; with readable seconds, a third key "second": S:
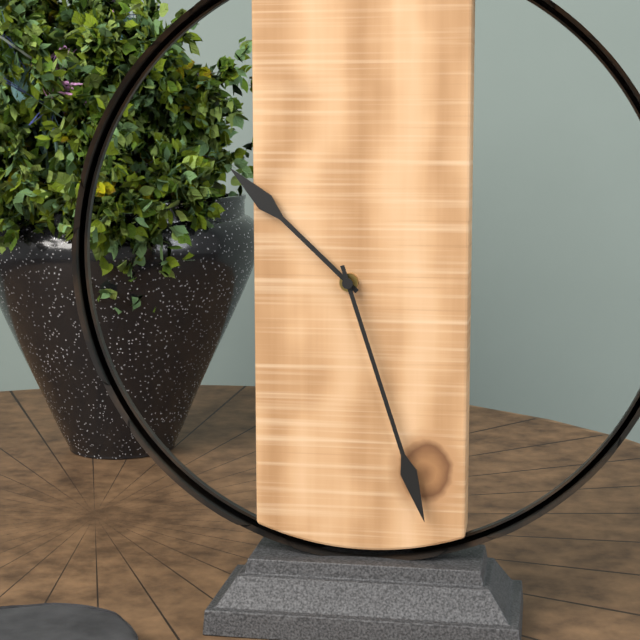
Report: {"hour": 10, "minute": 27}
